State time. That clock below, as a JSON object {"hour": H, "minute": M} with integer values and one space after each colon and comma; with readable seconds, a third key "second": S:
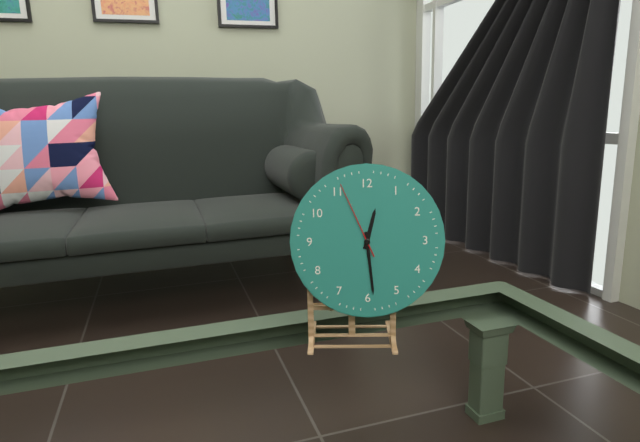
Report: {"hour": 12, "minute": 29, "second": 56}
